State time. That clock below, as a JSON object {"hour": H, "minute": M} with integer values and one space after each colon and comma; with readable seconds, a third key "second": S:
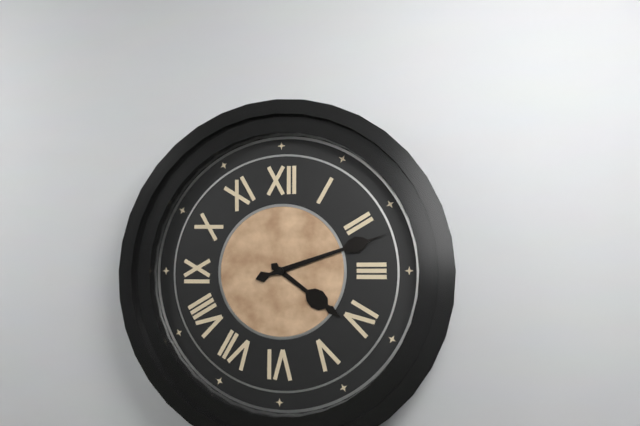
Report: {"hour": 4, "minute": 12}
